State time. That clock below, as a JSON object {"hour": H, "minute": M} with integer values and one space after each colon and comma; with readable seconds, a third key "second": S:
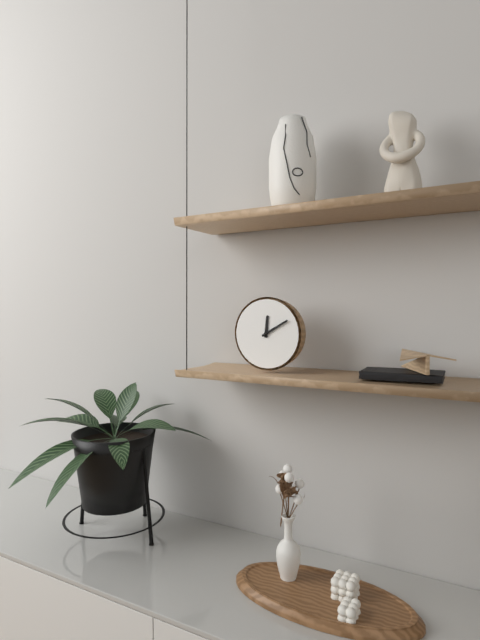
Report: {"hour": 12, "minute": 10}
